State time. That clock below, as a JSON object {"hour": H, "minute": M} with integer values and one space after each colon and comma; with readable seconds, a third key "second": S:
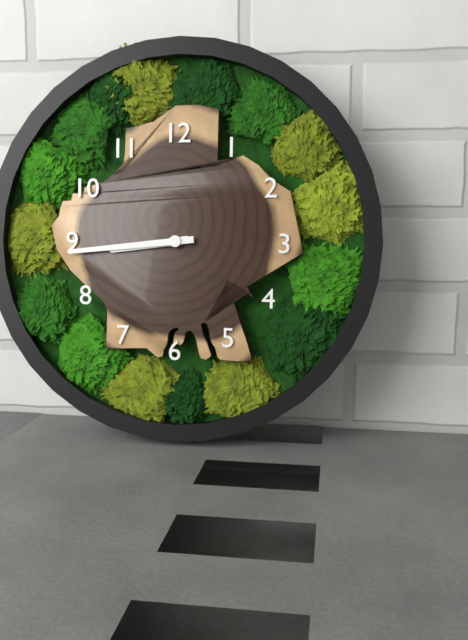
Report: {"hour": 8, "minute": 44}
